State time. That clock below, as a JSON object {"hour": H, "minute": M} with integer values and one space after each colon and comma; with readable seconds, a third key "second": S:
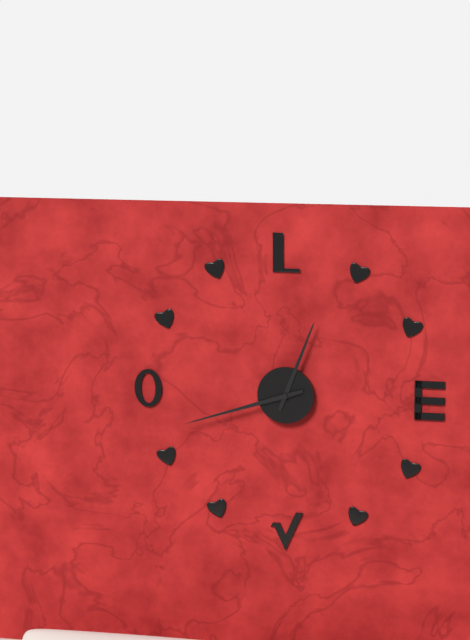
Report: {"hour": 12, "minute": 42}
